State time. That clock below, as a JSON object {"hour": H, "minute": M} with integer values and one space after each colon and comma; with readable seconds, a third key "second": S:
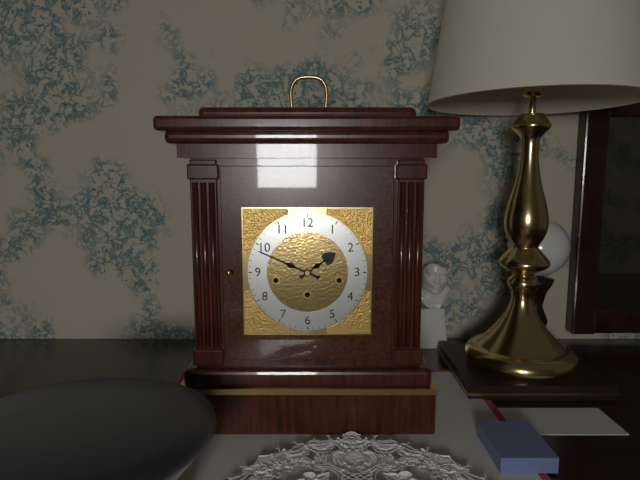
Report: {"hour": 1, "minute": 49}
